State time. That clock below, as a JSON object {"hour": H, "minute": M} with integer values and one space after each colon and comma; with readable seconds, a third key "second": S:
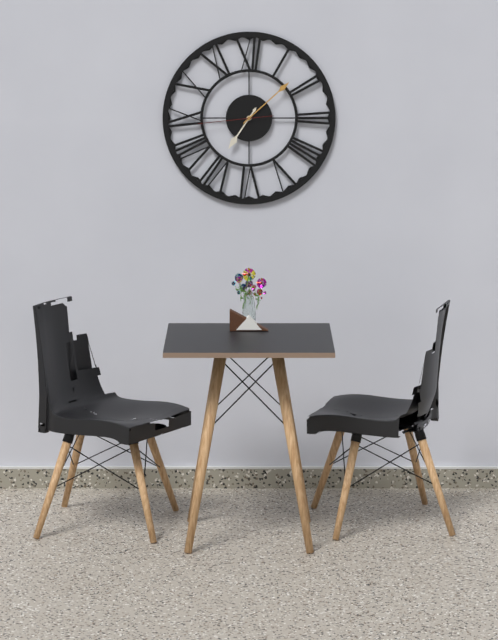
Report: {"hour": 7, "minute": 8, "second": 44}
